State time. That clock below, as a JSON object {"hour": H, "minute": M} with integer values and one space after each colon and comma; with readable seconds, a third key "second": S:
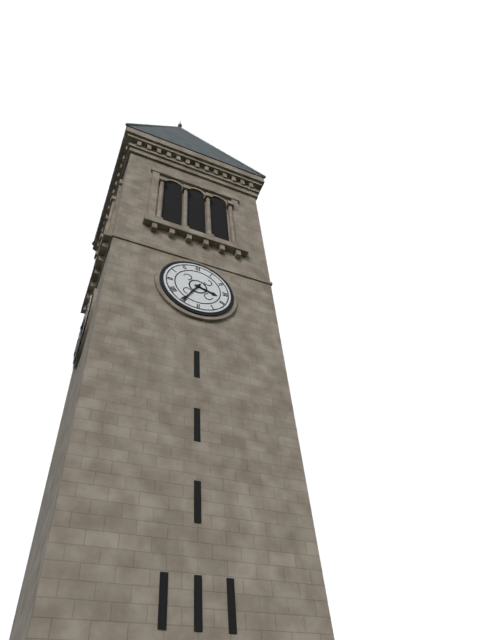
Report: {"hour": 3, "minute": 35}
